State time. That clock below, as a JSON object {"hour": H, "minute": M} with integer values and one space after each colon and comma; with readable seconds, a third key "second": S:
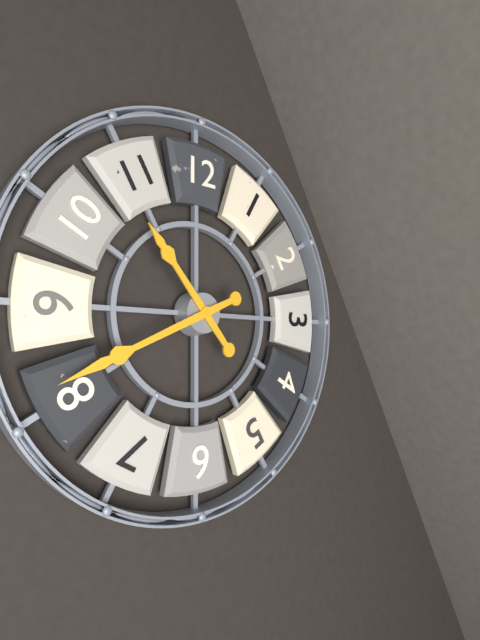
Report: {"hour": 10, "minute": 41}
